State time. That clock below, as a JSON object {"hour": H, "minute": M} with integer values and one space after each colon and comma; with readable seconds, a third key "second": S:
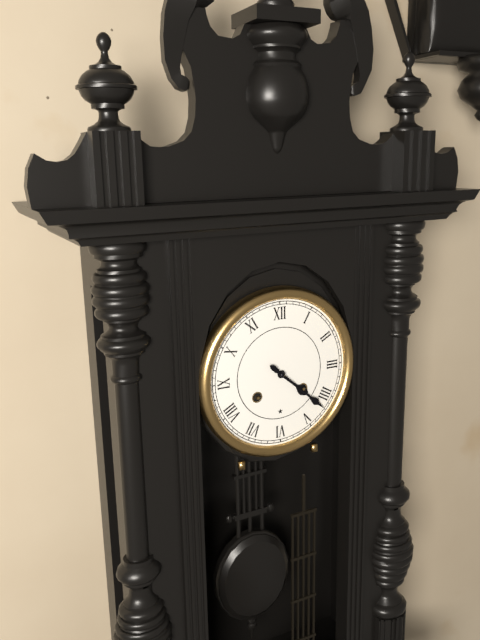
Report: {"hour": 4, "minute": 22}
